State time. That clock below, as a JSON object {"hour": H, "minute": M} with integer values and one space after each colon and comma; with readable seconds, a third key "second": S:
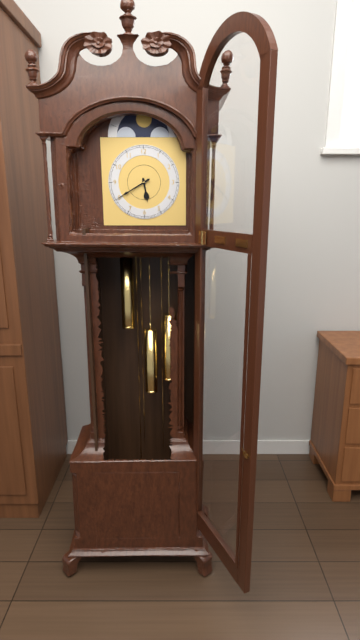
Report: {"hour": 5, "minute": 40}
